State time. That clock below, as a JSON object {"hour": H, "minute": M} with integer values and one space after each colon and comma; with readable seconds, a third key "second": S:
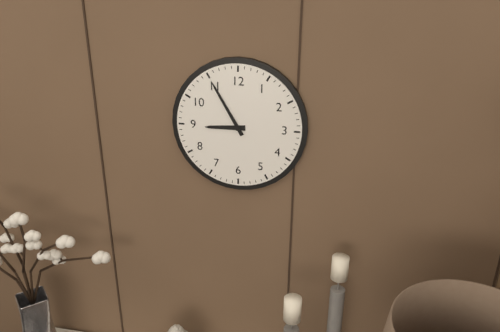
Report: {"hour": 8, "minute": 55}
